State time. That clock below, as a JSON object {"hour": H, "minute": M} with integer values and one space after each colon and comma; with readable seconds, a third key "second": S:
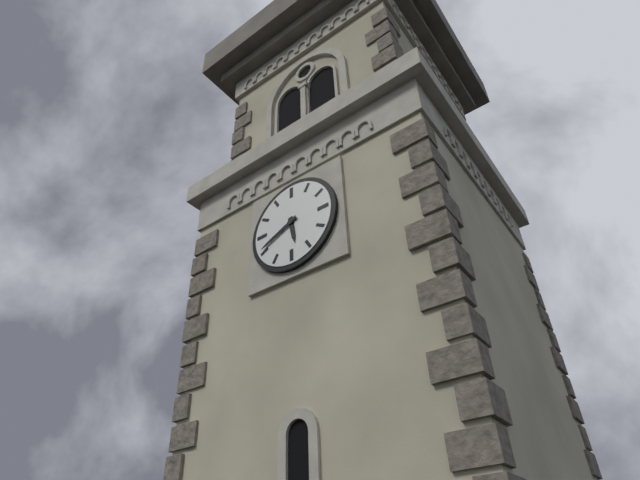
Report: {"hour": 5, "minute": 41}
